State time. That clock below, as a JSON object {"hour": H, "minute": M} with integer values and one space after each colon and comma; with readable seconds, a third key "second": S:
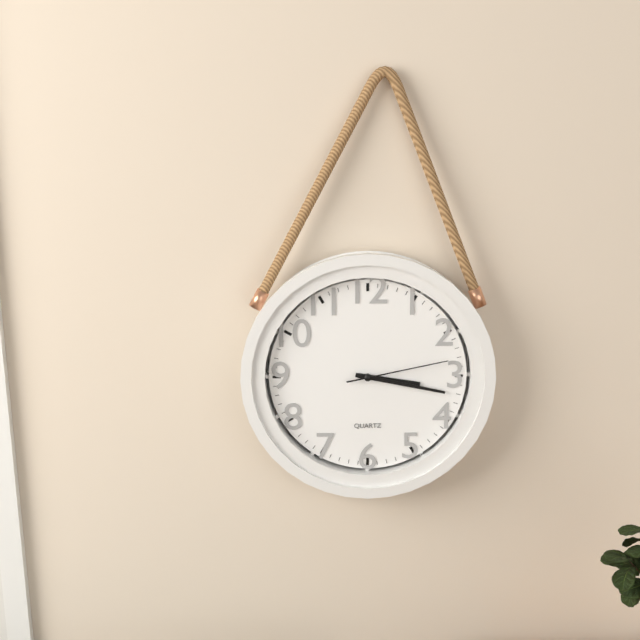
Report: {"hour": 3, "minute": 17, "second": 13}
